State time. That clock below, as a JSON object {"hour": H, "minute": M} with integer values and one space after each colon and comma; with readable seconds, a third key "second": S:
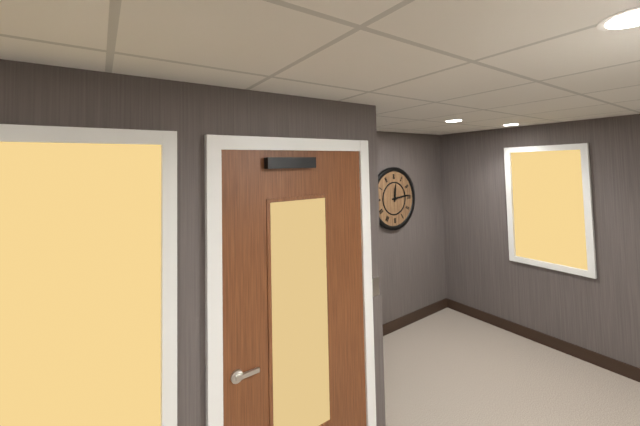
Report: {"hour": 12, "minute": 14}
